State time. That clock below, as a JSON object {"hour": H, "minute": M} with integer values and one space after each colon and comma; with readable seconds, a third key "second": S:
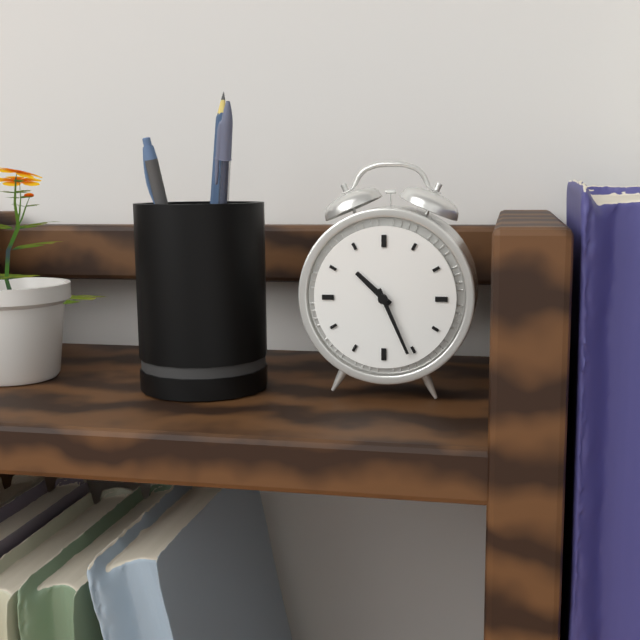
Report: {"hour": 10, "minute": 26}
